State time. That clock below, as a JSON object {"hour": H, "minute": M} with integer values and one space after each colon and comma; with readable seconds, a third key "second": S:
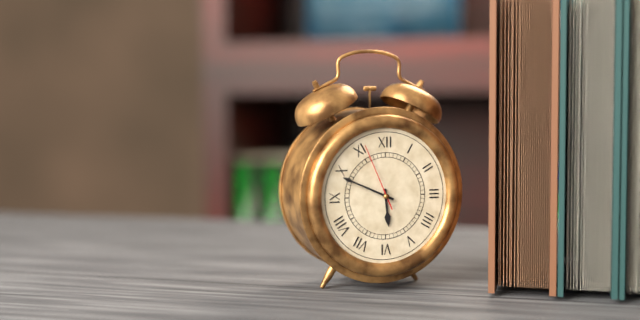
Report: {"hour": 5, "minute": 49, "second": 56}
